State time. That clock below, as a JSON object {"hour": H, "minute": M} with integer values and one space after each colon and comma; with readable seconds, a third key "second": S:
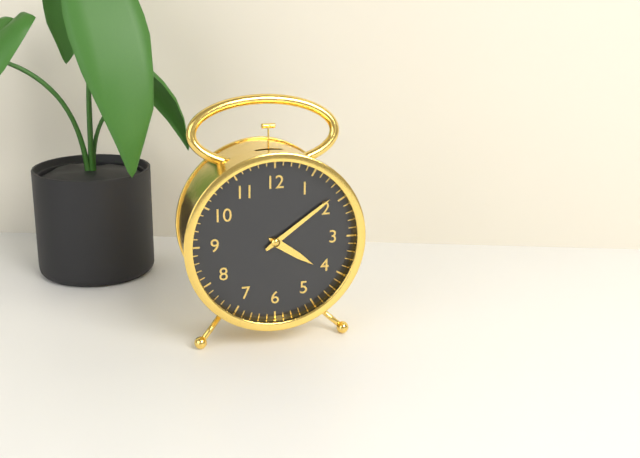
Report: {"hour": 4, "minute": 9}
